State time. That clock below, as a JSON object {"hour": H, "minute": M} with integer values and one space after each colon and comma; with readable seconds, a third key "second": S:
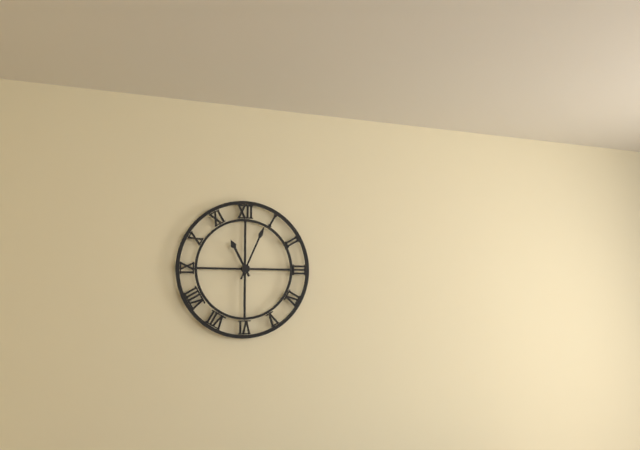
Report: {"hour": 11, "minute": 4}
